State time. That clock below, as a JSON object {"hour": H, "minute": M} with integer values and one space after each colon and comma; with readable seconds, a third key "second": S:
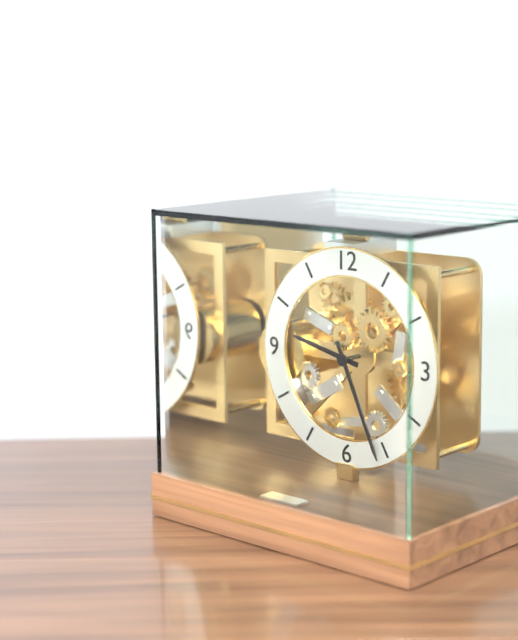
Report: {"hour": 9, "minute": 26}
